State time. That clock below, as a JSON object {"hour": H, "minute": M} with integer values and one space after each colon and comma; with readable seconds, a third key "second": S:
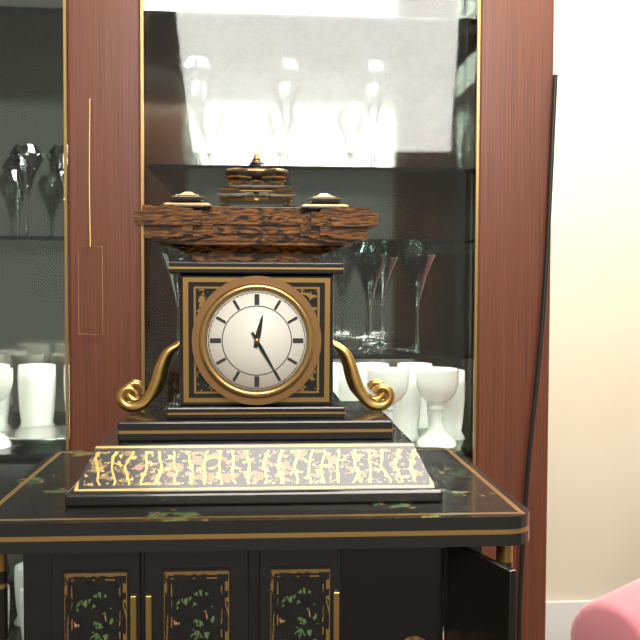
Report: {"hour": 12, "minute": 25}
